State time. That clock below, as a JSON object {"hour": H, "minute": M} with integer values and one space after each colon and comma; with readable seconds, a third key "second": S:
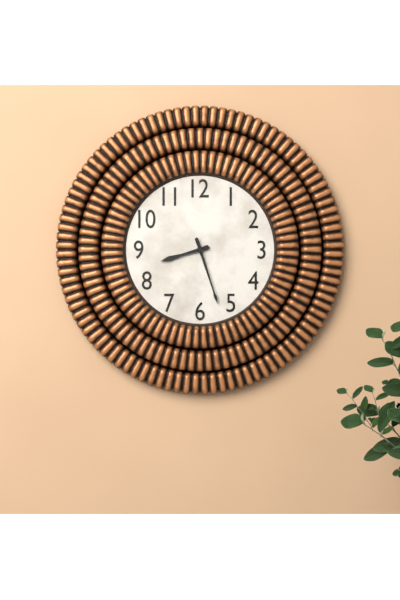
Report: {"hour": 8, "minute": 27}
